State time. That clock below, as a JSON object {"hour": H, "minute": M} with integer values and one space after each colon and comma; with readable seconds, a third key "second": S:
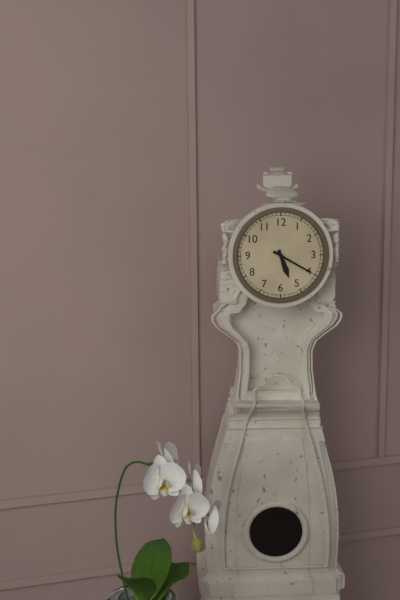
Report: {"hour": 5, "minute": 20}
